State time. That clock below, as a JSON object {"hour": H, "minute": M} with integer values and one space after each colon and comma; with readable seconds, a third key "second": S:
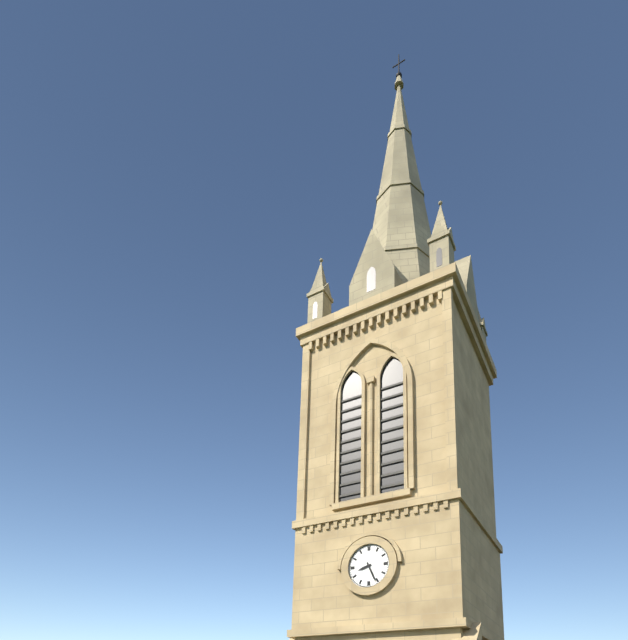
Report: {"hour": 8, "minute": 26}
